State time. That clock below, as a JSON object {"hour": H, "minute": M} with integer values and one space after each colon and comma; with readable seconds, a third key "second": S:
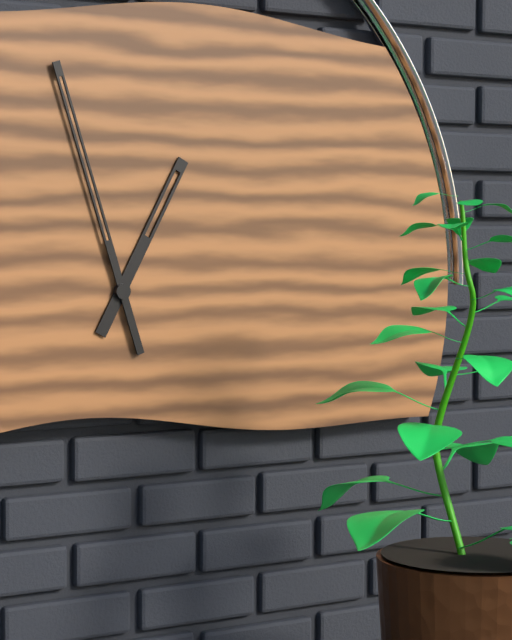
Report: {"hour": 12, "minute": 57}
